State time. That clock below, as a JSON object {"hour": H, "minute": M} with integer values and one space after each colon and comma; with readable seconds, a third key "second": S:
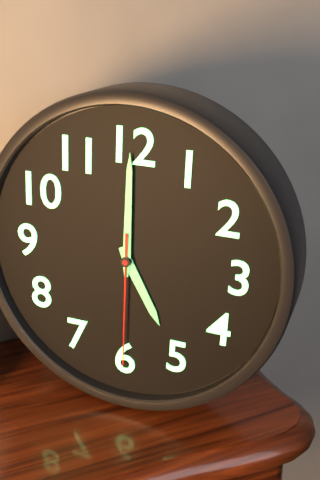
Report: {"hour": 5, "minute": 0, "second": 30}
